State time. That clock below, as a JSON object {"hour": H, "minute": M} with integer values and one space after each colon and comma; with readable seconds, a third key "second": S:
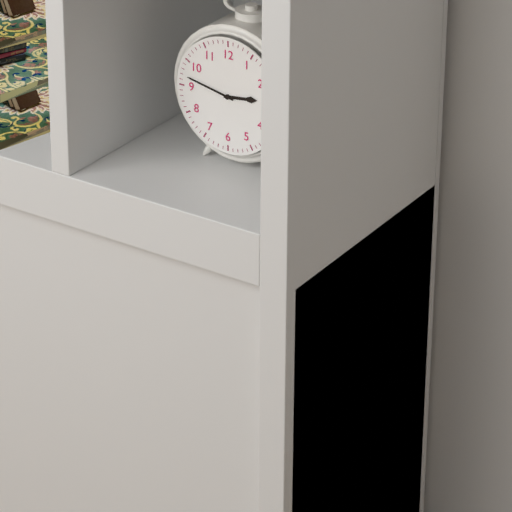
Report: {"hour": 2, "minute": 47}
